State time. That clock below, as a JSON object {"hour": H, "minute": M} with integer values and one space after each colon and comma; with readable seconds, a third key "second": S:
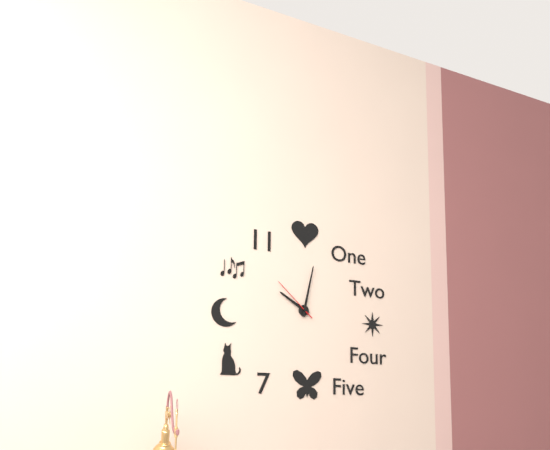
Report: {"hour": 10, "minute": 2}
